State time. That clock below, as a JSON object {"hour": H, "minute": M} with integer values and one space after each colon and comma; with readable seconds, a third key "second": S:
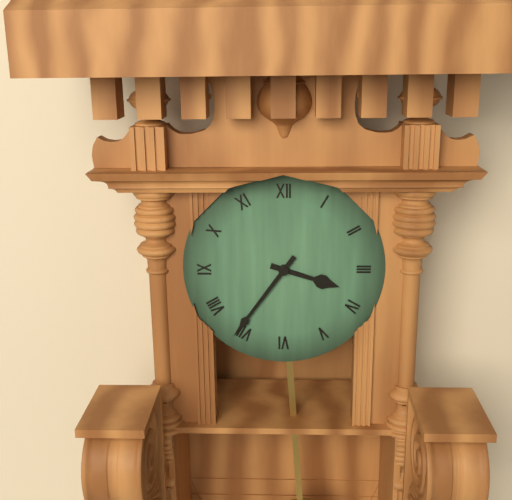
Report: {"hour": 3, "minute": 36}
